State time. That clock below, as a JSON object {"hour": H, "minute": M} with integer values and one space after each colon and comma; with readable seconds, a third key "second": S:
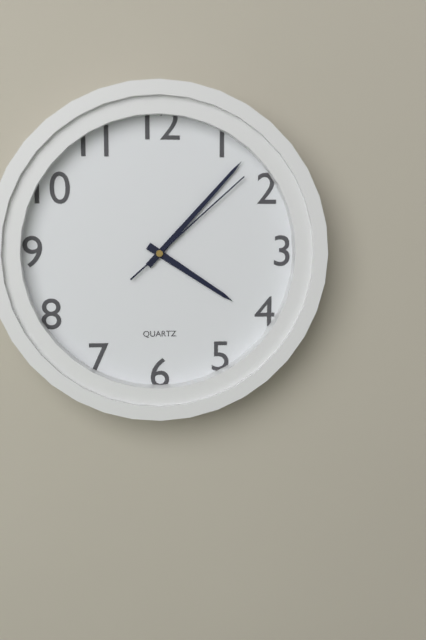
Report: {"hour": 4, "minute": 7, "second": 8}
